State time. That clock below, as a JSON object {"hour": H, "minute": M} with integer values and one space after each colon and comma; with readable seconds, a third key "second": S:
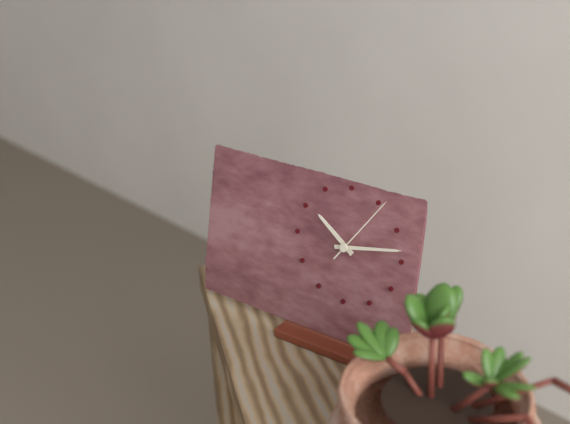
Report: {"hour": 10, "minute": 13, "second": 6}
